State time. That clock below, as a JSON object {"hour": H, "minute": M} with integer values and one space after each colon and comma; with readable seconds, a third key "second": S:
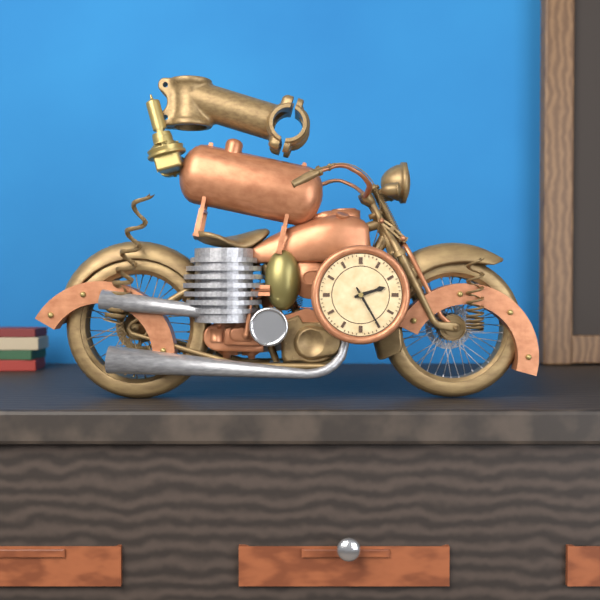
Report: {"hour": 2, "minute": 25}
